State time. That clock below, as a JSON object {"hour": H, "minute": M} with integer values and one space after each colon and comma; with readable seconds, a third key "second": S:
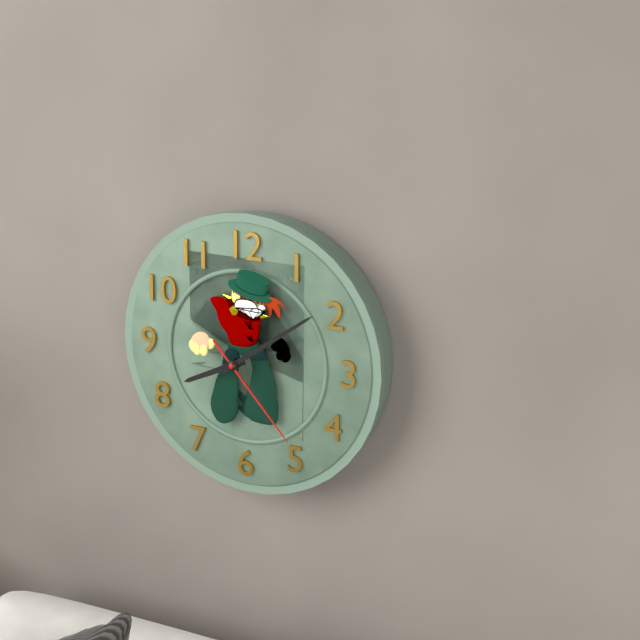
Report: {"hour": 8, "minute": 9, "second": 23}
